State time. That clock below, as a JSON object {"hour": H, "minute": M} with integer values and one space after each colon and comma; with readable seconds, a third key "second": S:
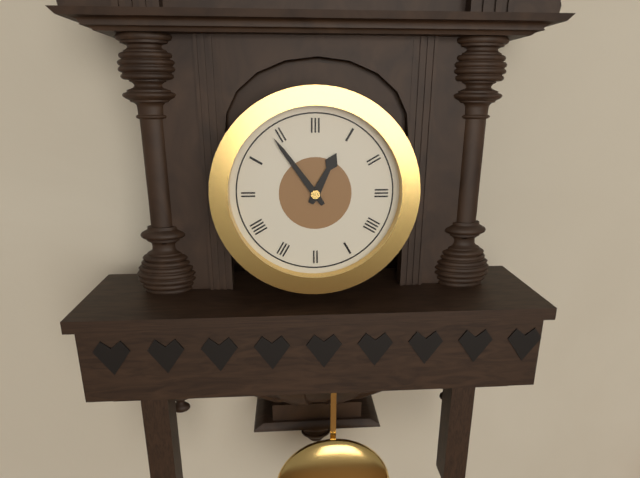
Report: {"hour": 12, "minute": 54}
